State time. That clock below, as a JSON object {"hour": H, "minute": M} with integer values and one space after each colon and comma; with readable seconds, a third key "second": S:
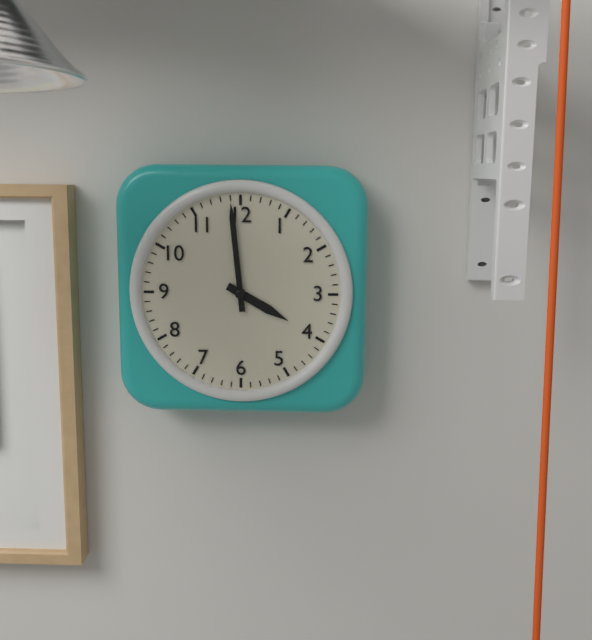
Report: {"hour": 3, "minute": 59}
